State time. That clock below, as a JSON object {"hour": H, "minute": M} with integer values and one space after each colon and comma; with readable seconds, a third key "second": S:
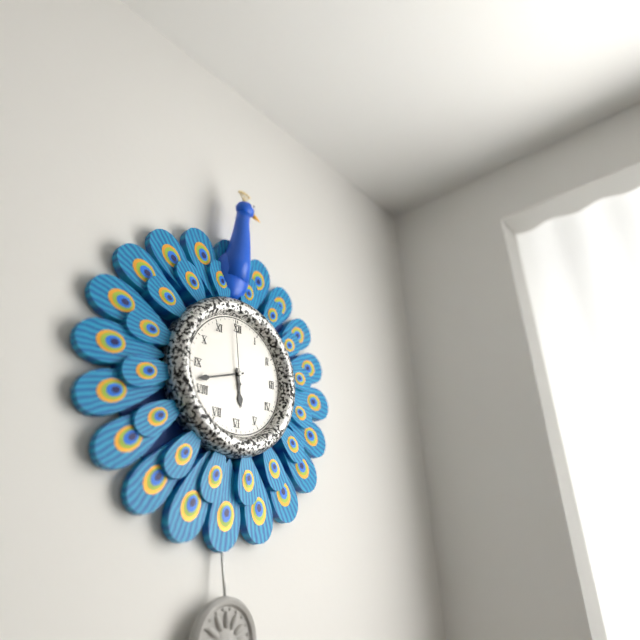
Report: {"hour": 5, "minute": 42, "second": 59}
